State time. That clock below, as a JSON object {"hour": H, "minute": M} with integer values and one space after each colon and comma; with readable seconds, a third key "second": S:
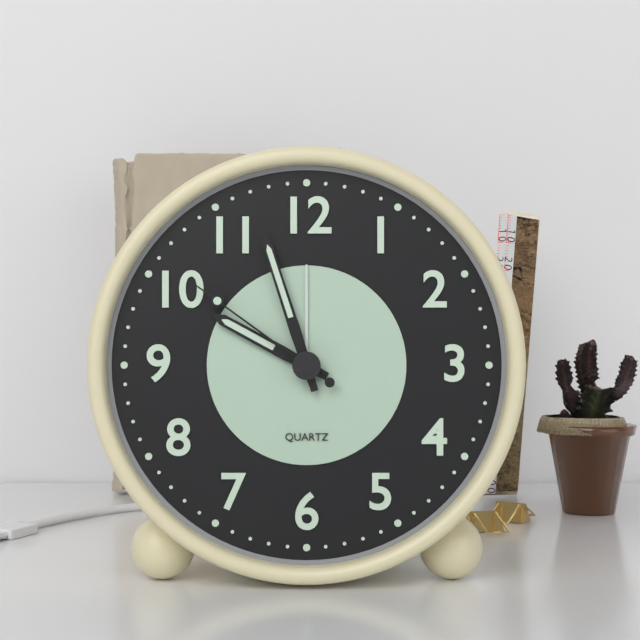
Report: {"hour": 9, "minute": 57, "second": 51}
